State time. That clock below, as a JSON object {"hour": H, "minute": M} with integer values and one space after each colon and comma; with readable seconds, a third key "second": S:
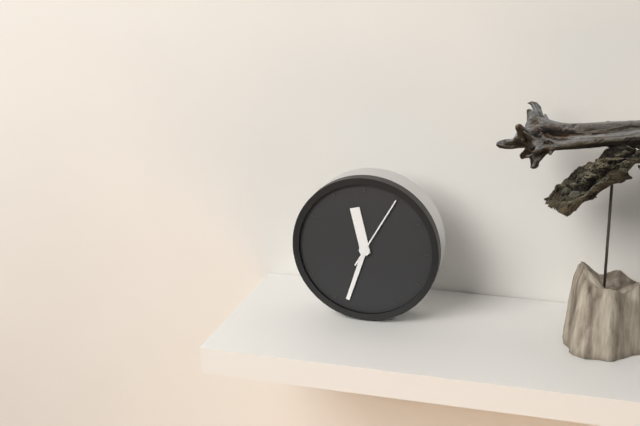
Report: {"hour": 11, "minute": 33, "second": 5}
